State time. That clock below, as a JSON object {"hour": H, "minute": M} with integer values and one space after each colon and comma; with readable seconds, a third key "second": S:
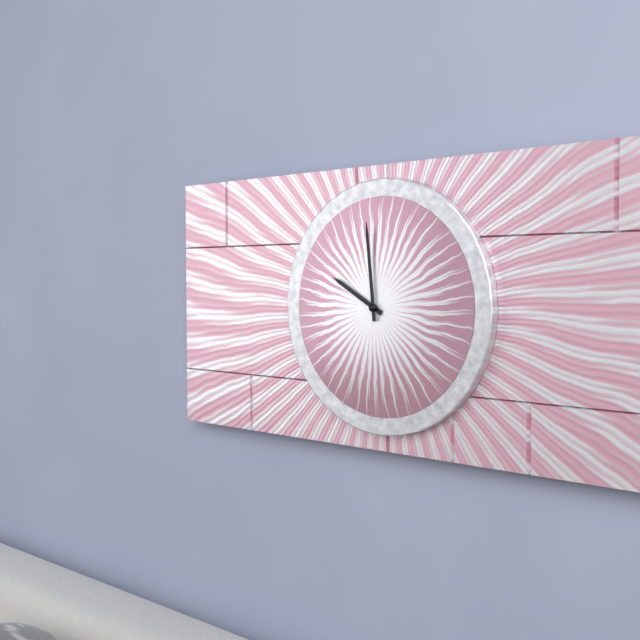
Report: {"hour": 9, "minute": 59}
